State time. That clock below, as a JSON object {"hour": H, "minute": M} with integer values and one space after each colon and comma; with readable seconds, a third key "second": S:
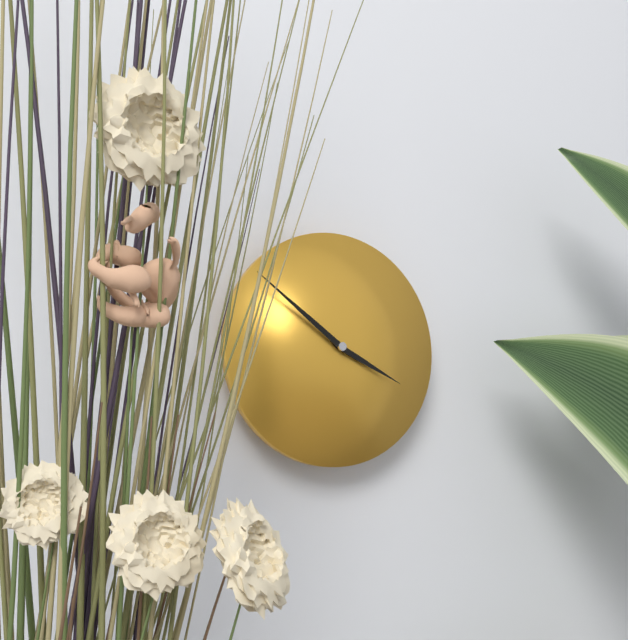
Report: {"hour": 3, "minute": 51}
